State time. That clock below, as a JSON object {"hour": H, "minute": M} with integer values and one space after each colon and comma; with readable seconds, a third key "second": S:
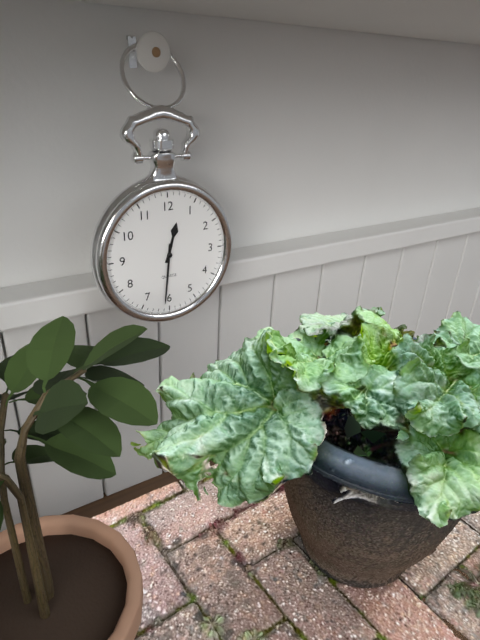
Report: {"hour": 12, "minute": 31}
